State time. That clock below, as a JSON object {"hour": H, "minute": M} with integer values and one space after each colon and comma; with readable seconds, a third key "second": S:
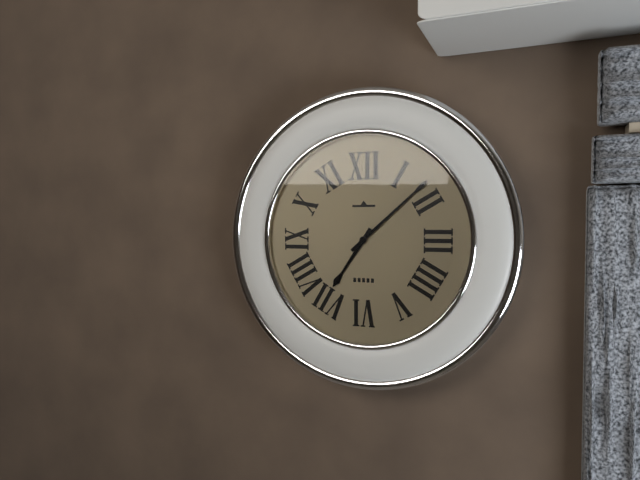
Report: {"hour": 7, "minute": 8}
